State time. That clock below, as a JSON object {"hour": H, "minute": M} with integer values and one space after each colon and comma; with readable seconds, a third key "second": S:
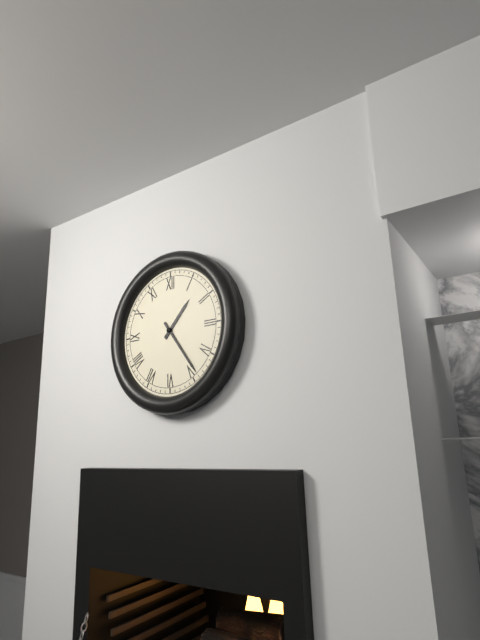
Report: {"hour": 1, "minute": 24}
